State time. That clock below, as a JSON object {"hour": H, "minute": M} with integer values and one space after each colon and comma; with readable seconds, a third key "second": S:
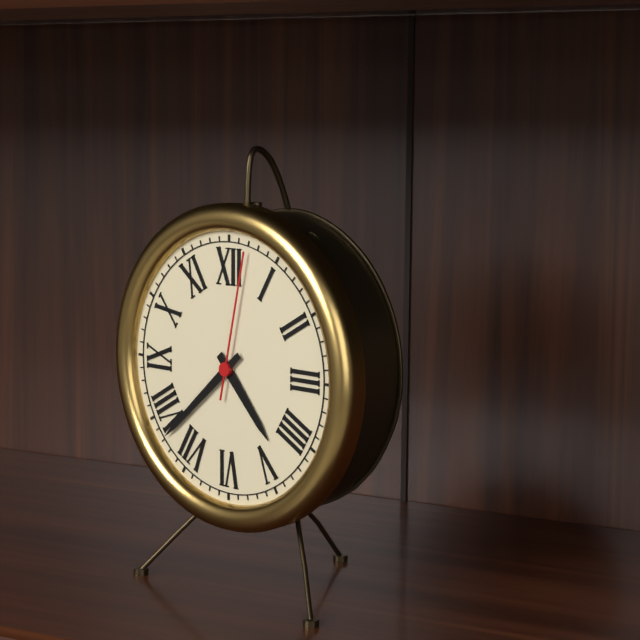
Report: {"hour": 4, "minute": 38, "second": 2}
